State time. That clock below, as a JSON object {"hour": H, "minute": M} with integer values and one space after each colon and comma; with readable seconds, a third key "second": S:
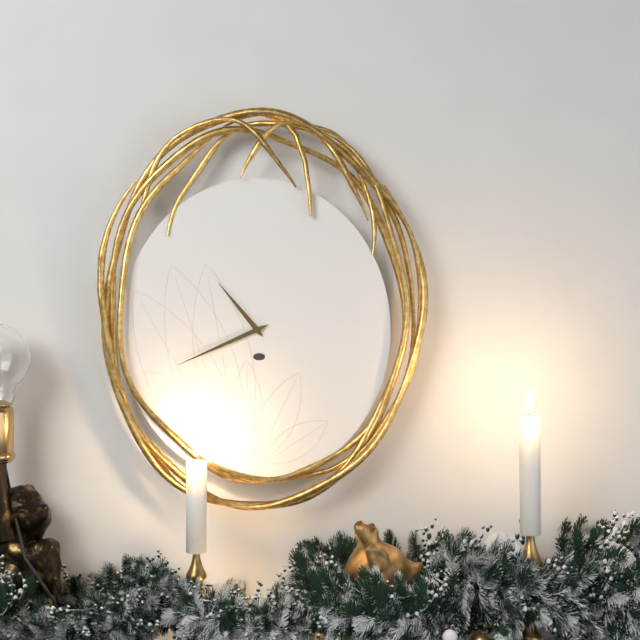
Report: {"hour": 10, "minute": 41}
